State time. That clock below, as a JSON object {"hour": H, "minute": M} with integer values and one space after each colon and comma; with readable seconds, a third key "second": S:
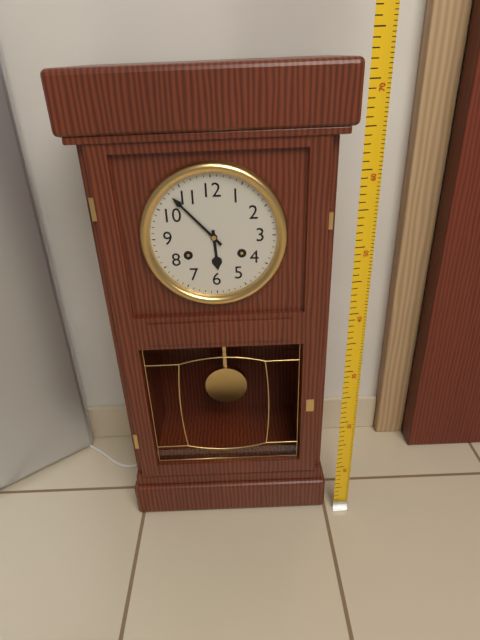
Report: {"hour": 5, "minute": 53}
